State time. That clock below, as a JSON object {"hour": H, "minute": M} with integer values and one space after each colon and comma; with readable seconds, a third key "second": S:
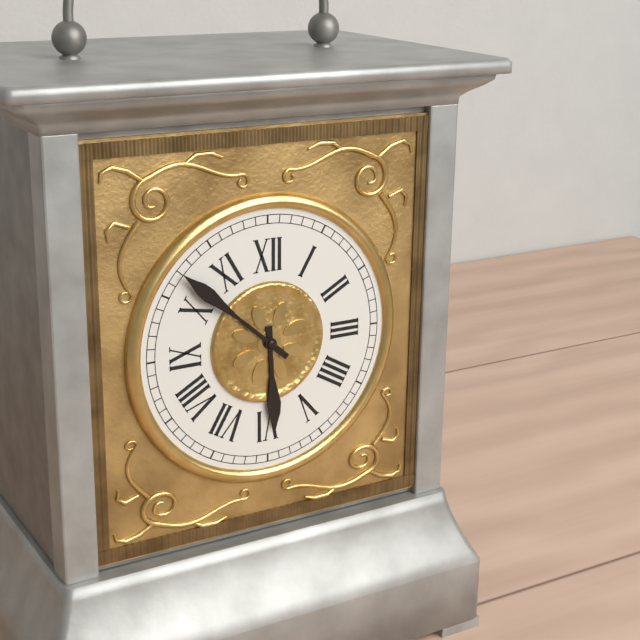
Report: {"hour": 5, "minute": 52}
